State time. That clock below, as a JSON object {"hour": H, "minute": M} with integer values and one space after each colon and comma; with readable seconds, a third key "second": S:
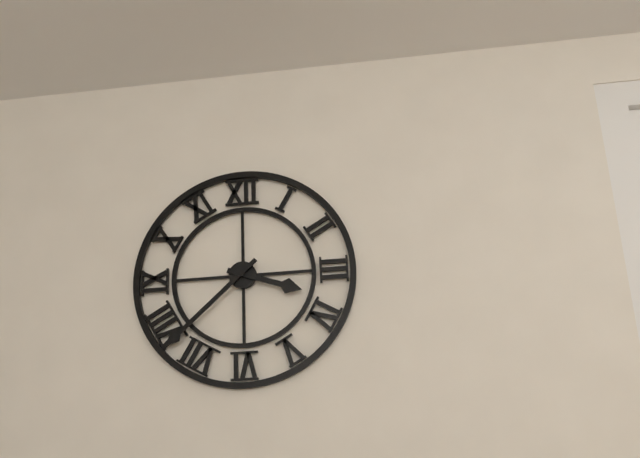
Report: {"hour": 3, "minute": 38}
